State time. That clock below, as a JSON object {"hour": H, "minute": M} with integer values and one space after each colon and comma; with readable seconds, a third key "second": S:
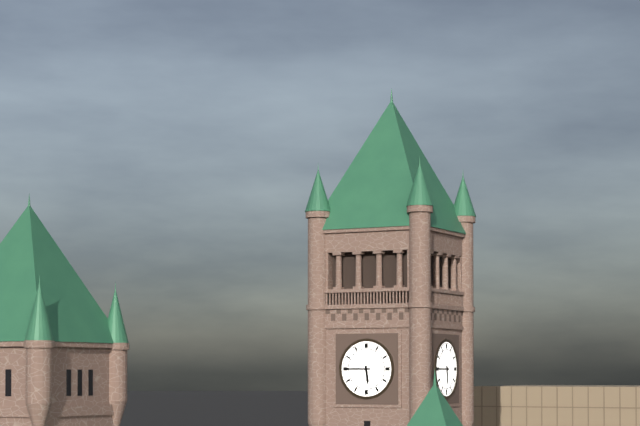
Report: {"hour": 5, "minute": 45}
